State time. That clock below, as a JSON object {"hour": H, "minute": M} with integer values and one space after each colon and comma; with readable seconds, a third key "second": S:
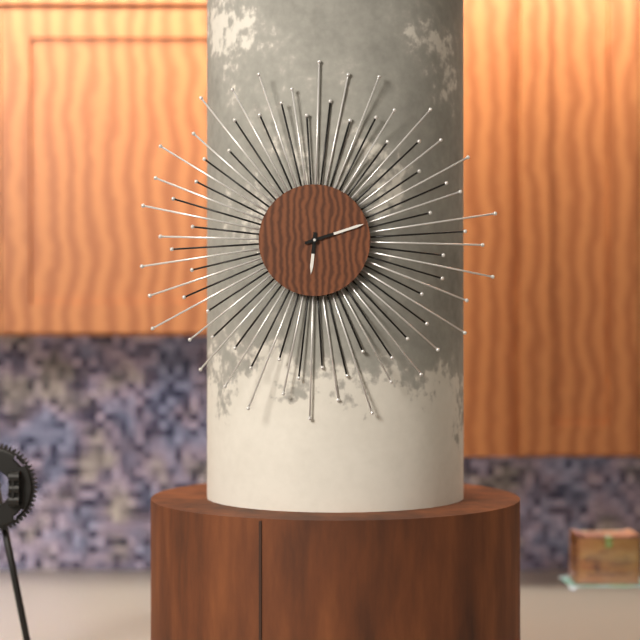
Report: {"hour": 6, "minute": 12}
